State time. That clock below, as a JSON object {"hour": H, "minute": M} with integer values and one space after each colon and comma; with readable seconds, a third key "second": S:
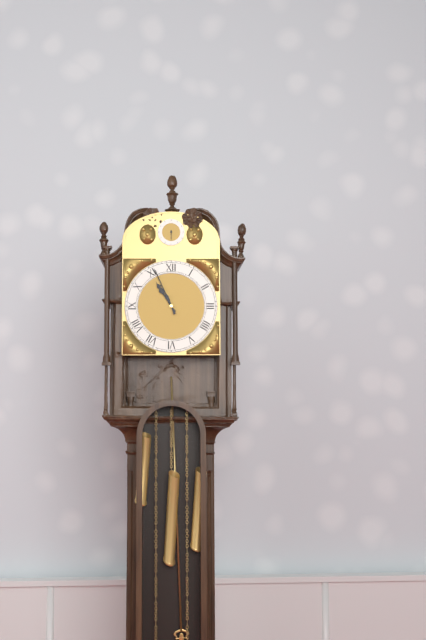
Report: {"hour": 10, "minute": 56}
